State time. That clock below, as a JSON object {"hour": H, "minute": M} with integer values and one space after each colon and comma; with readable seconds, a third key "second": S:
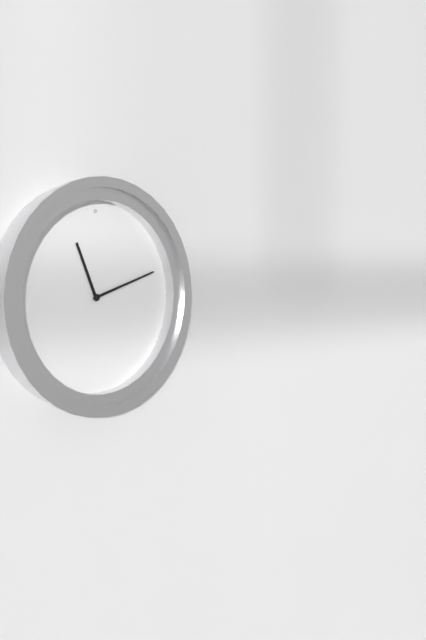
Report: {"hour": 11, "minute": 12}
